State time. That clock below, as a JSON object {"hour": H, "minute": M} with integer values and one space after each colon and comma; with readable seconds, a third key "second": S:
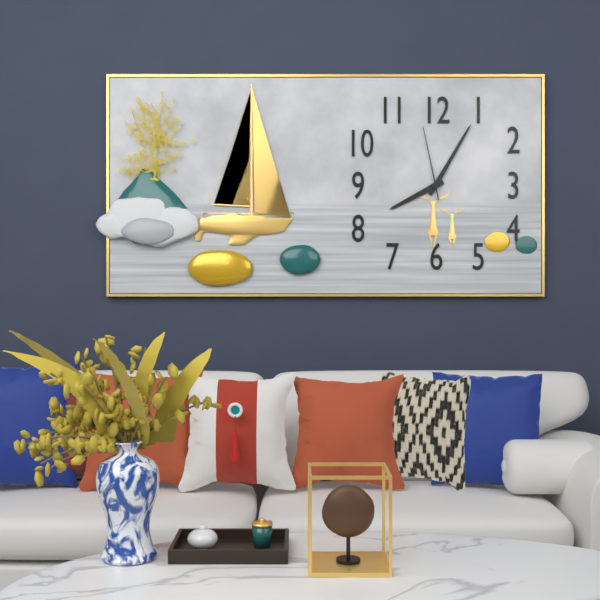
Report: {"hour": 8, "minute": 5, "second": 58}
